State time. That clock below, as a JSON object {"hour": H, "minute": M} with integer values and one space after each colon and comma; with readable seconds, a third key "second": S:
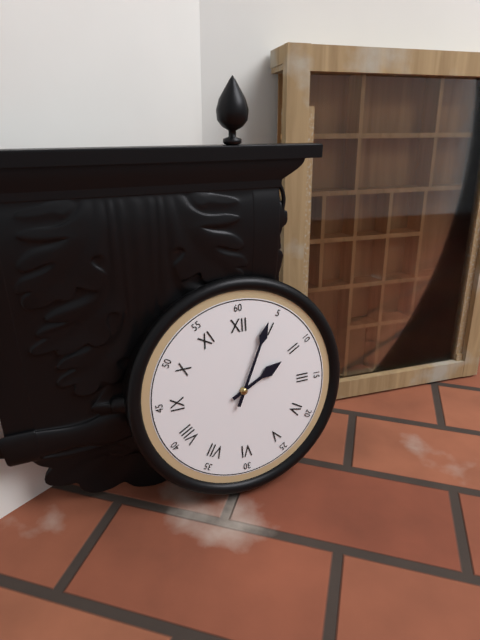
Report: {"hour": 2, "minute": 4}
